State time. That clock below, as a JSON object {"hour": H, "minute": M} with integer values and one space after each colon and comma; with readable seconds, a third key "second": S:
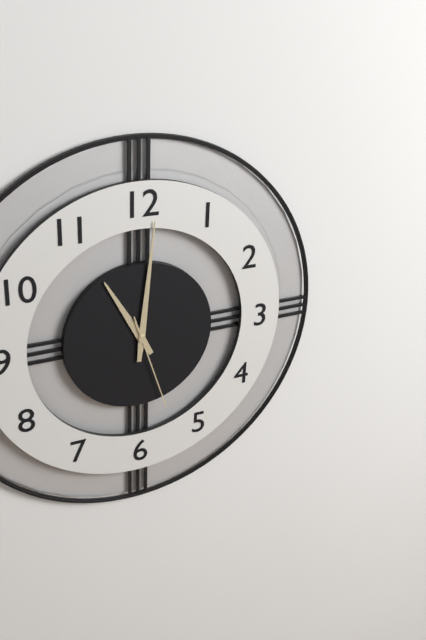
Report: {"hour": 11, "minute": 1, "second": 27}
